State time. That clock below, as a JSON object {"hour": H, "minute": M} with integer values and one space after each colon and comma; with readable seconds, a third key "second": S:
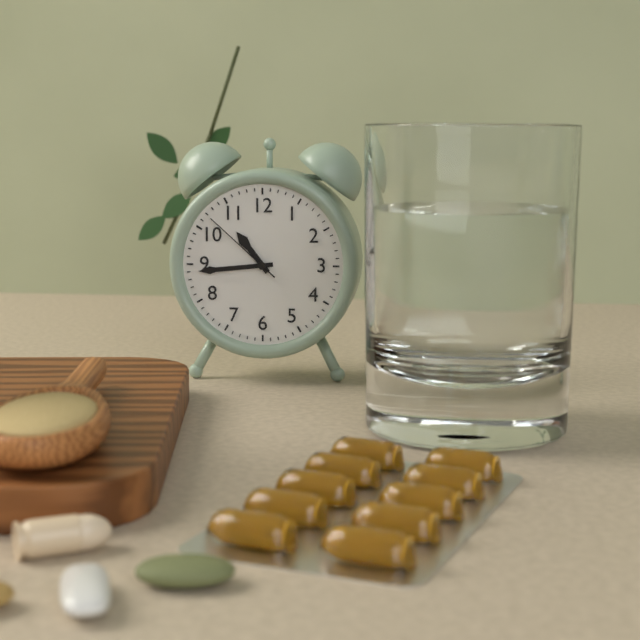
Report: {"hour": 10, "minute": 44, "second": 52}
